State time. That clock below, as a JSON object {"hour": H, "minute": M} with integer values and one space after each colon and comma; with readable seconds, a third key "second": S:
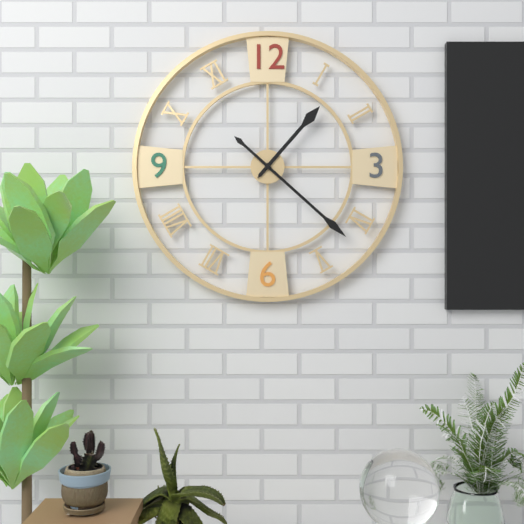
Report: {"hour": 1, "minute": 22}
